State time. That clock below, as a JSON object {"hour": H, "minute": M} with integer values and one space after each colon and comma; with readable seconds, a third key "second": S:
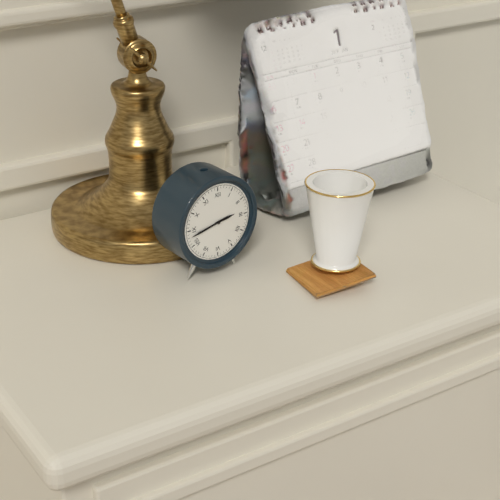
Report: {"hour": 2, "minute": 43}
